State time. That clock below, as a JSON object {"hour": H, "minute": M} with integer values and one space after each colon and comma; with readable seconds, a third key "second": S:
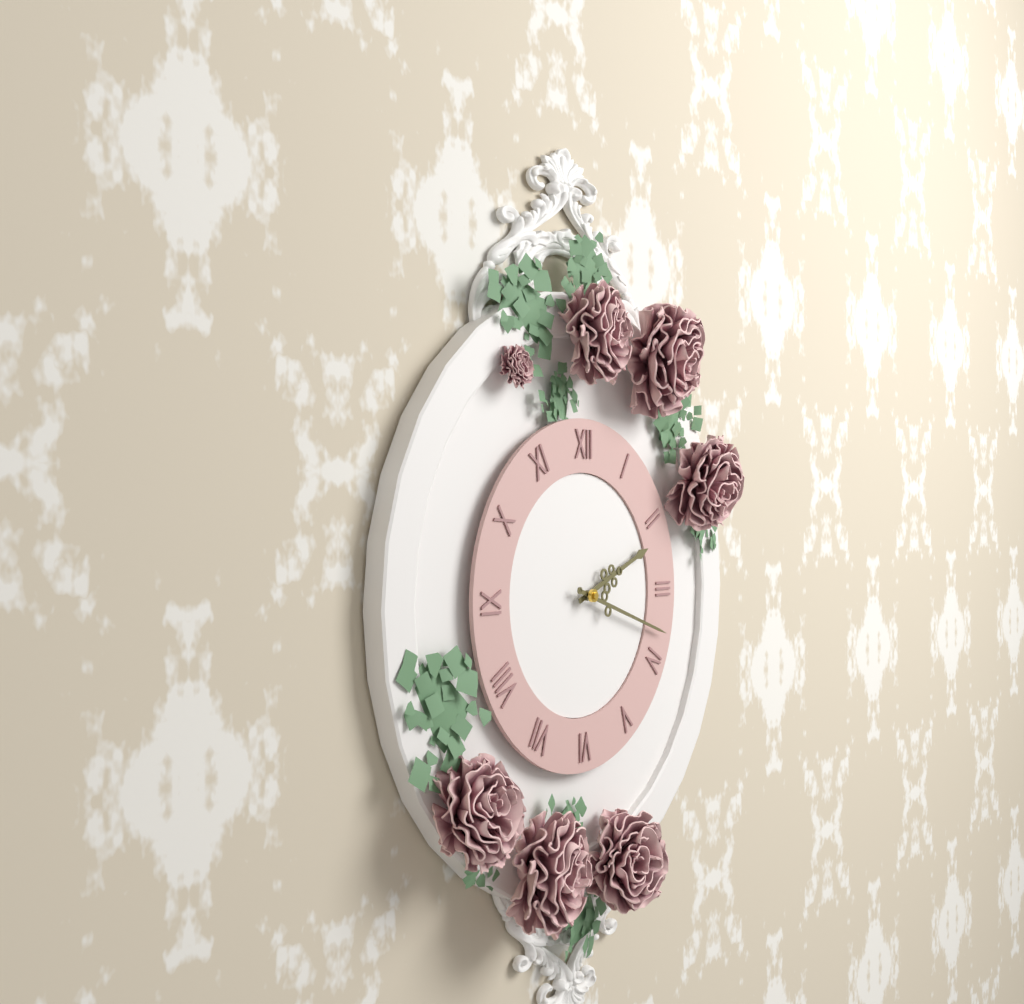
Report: {"hour": 2, "minute": 18}
